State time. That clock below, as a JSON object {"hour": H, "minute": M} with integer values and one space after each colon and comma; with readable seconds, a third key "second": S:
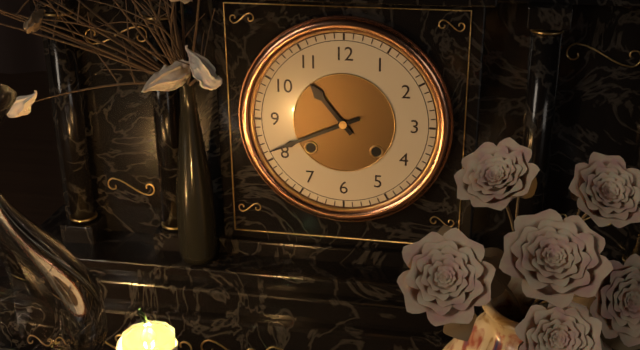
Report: {"hour": 10, "minute": 41}
